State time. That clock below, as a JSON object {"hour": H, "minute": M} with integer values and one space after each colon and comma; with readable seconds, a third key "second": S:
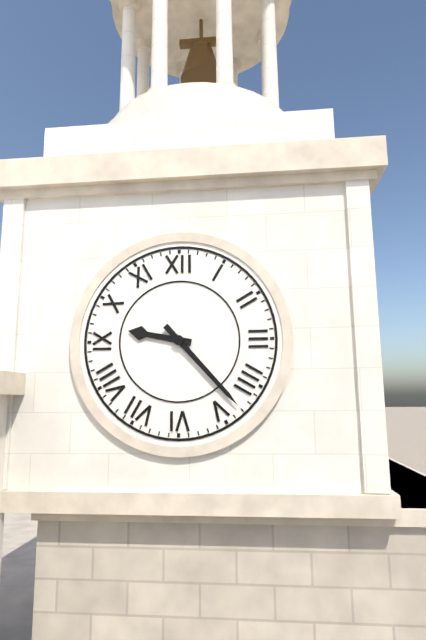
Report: {"hour": 9, "minute": 23}
